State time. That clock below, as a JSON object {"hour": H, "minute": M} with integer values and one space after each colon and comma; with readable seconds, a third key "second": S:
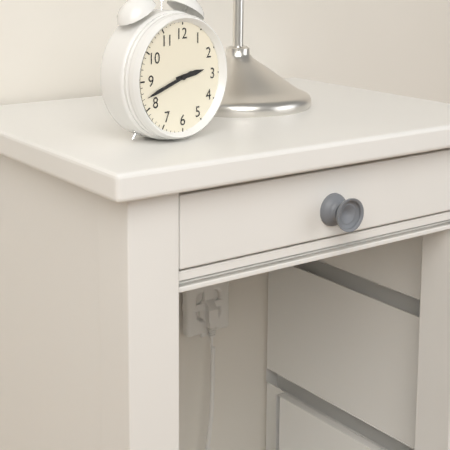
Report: {"hour": 2, "minute": 42}
